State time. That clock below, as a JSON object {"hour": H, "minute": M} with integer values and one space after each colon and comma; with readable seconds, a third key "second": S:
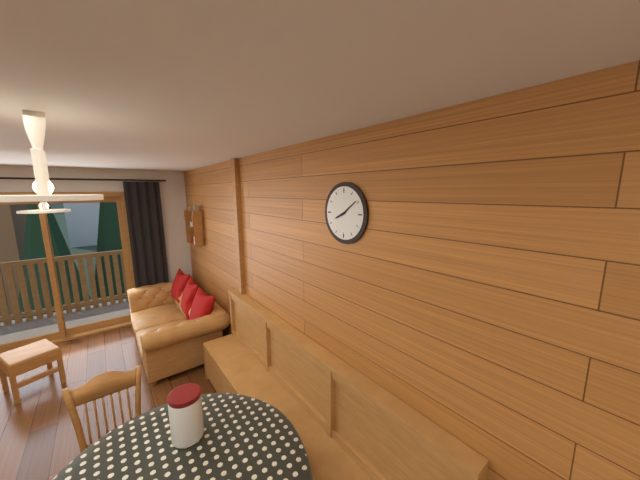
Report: {"hour": 8, "minute": 9}
